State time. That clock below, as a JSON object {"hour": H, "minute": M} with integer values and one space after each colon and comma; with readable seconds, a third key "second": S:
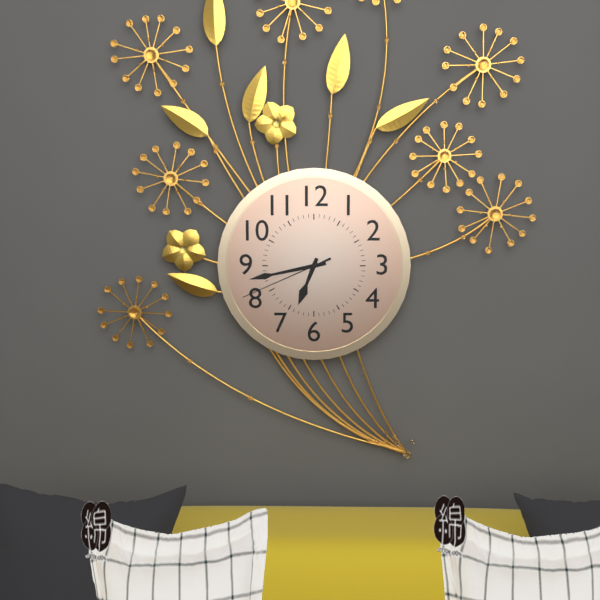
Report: {"hour": 6, "minute": 43, "second": 41}
